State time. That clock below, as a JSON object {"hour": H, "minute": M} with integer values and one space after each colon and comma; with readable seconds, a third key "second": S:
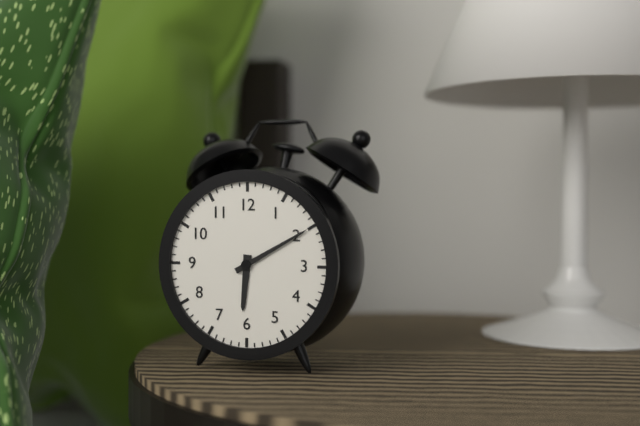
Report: {"hour": 6, "minute": 10}
